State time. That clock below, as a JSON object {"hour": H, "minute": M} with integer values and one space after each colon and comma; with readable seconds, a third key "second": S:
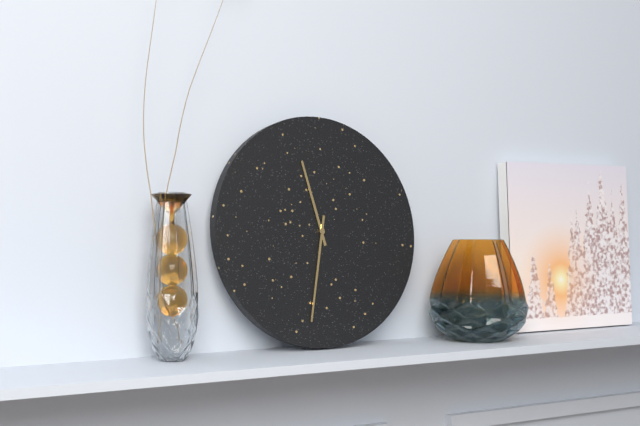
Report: {"hour": 11, "minute": 32}
